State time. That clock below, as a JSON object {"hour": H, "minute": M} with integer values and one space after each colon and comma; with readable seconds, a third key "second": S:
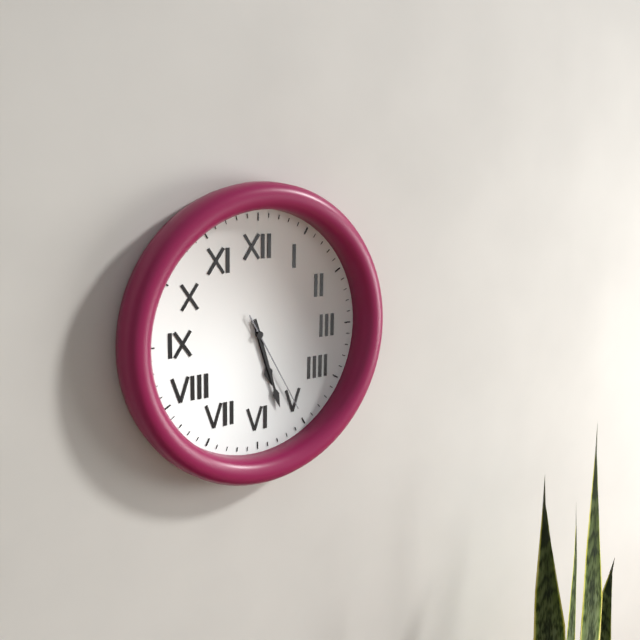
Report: {"hour": 5, "minute": 27, "second": 25}
